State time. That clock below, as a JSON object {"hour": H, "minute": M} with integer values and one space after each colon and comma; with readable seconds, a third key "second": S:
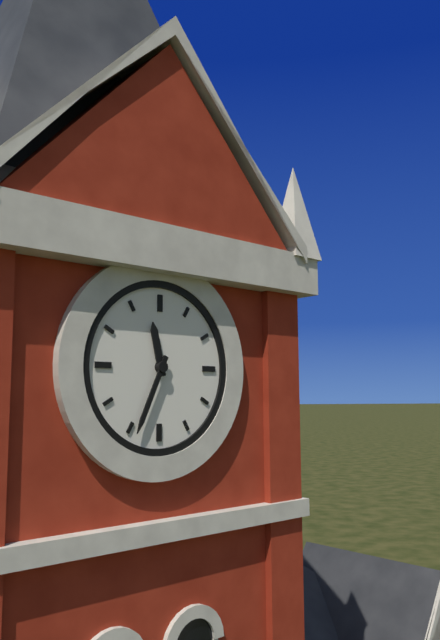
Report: {"hour": 11, "minute": 34}
